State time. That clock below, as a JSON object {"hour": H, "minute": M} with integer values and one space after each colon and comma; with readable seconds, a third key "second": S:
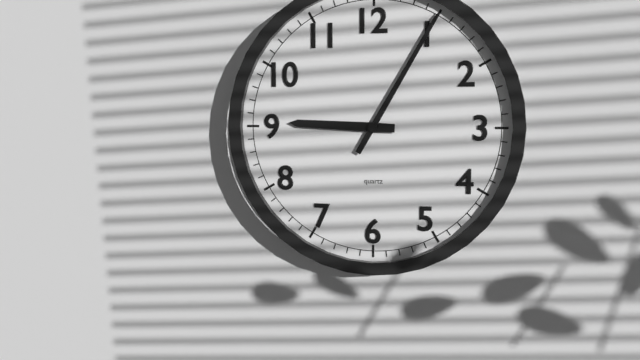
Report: {"hour": 9, "minute": 5}
